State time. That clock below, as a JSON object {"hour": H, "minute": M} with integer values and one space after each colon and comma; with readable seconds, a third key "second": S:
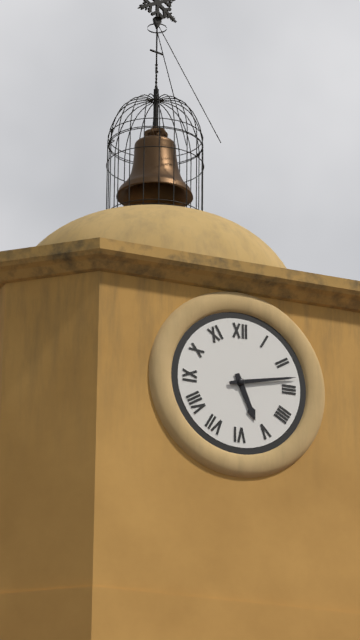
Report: {"hour": 5, "minute": 13}
